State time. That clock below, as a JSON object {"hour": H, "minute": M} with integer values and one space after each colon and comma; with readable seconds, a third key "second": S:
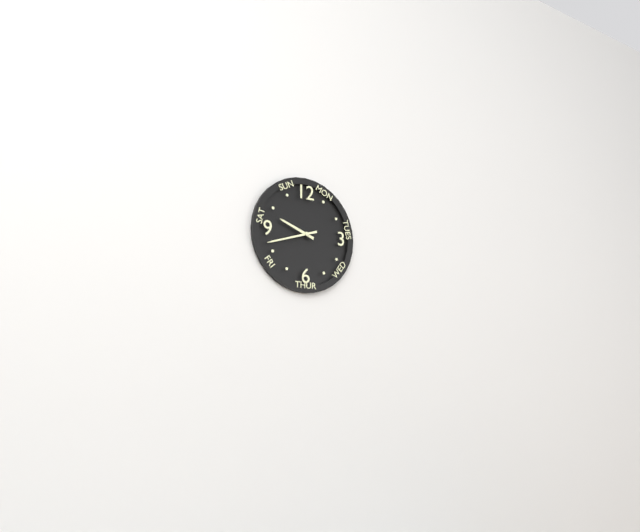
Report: {"hour": 9, "minute": 42}
